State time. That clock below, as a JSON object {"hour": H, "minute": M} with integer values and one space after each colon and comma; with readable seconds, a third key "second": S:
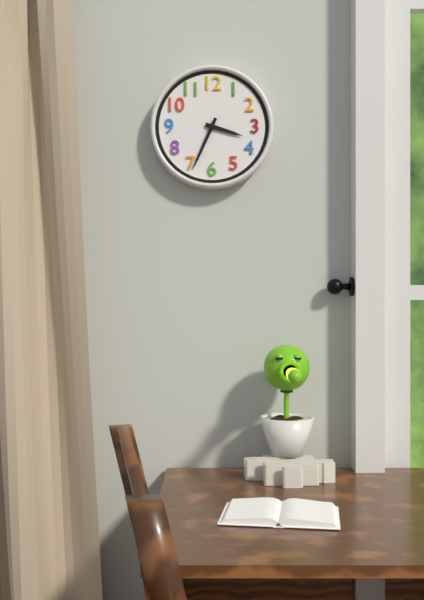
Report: {"hour": 3, "minute": 34}
